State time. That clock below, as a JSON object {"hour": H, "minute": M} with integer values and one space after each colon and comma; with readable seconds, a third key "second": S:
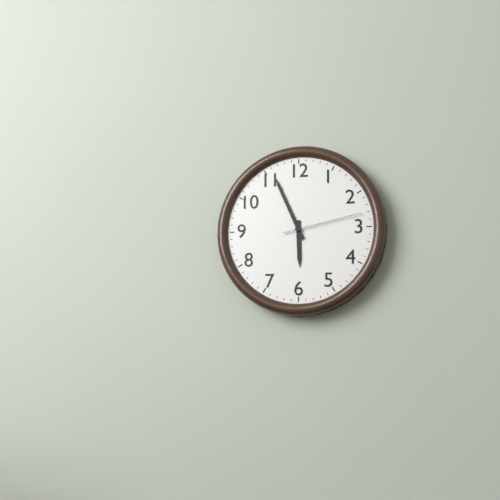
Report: {"hour": 5, "minute": 56, "second": 13}
